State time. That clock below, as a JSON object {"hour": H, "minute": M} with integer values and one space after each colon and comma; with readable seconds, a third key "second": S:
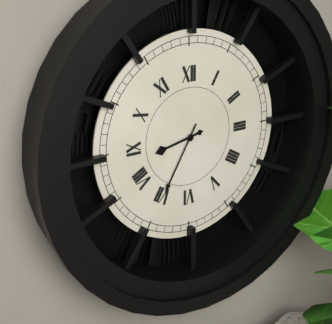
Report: {"hour": 8, "minute": 35}
